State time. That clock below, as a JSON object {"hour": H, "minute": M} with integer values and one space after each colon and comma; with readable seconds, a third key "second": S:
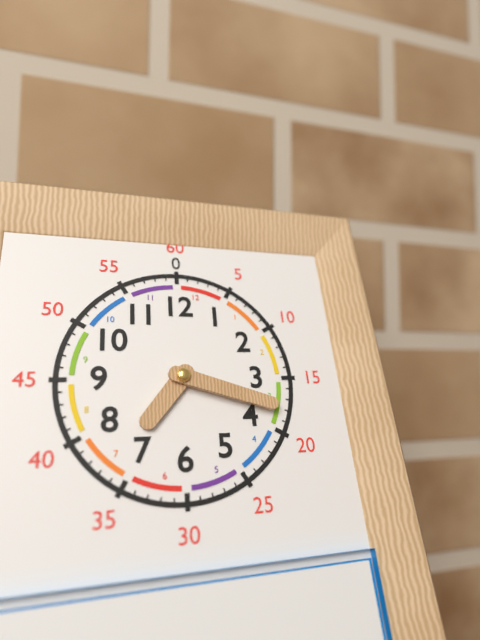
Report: {"hour": 7, "minute": 18}
